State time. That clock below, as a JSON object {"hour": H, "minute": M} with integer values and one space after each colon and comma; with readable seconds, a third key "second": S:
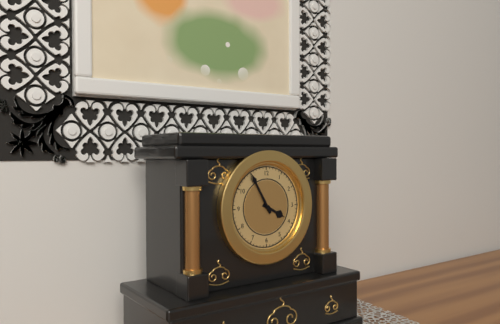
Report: {"hour": 3, "minute": 55}
